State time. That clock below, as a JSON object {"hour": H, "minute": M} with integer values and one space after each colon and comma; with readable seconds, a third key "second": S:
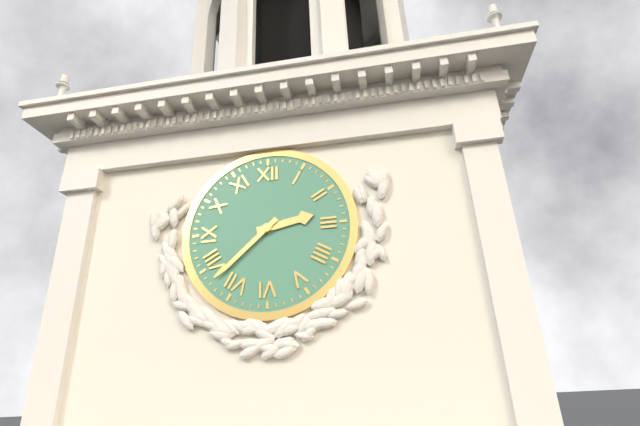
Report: {"hour": 2, "minute": 38}
